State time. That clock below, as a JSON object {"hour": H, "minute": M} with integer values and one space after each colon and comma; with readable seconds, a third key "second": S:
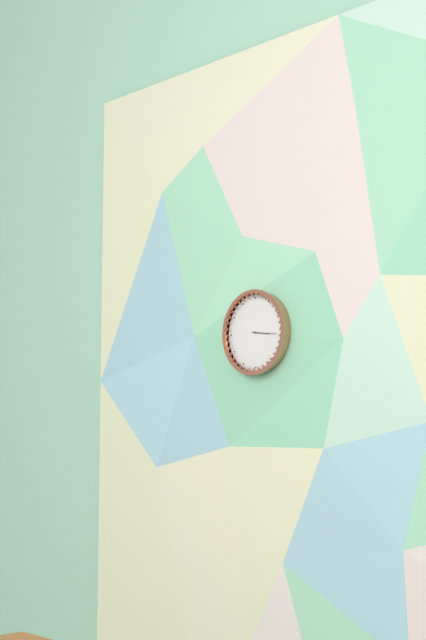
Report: {"hour": 3, "minute": 16}
